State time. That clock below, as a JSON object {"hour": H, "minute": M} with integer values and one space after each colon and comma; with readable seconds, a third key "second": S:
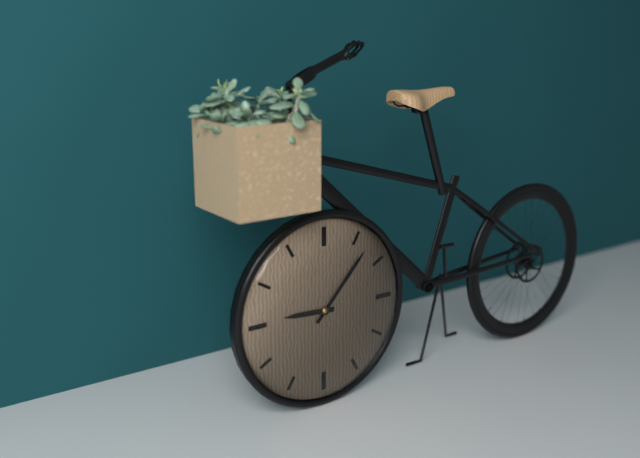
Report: {"hour": 9, "minute": 7}
